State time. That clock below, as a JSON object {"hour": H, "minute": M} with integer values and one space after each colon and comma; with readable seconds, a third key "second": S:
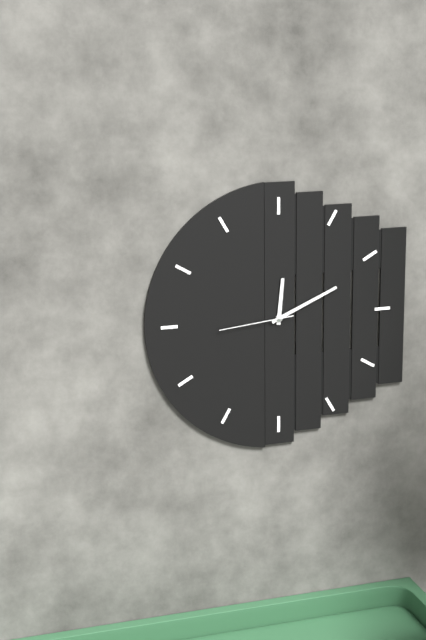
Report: {"hour": 12, "minute": 11, "second": 44}
